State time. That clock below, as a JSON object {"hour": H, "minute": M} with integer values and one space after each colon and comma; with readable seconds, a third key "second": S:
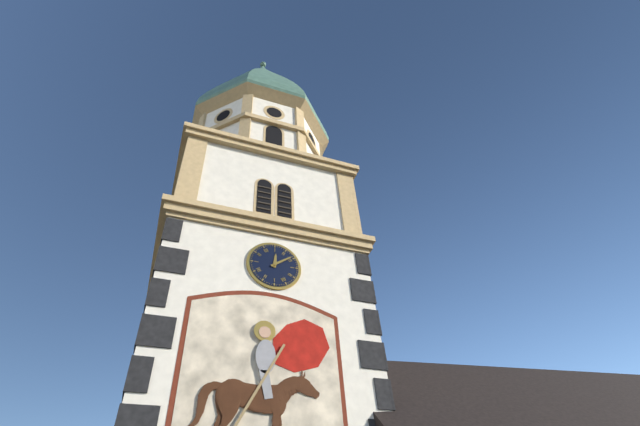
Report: {"hour": 12, "minute": 9}
